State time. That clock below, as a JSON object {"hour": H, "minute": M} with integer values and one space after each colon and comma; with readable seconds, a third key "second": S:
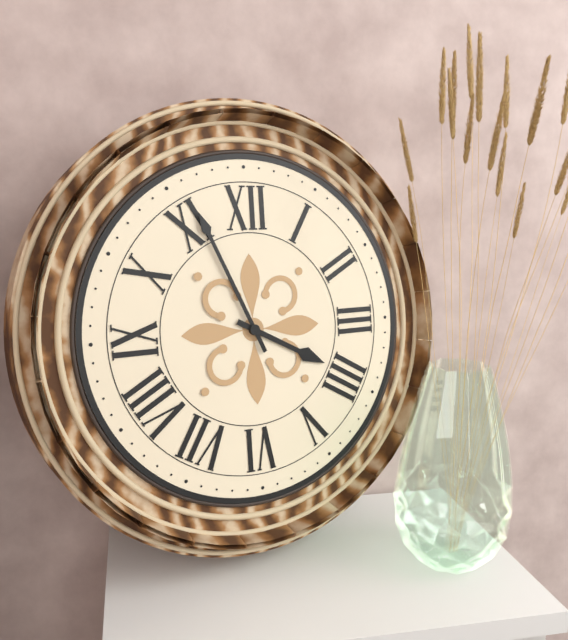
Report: {"hour": 3, "minute": 56}
